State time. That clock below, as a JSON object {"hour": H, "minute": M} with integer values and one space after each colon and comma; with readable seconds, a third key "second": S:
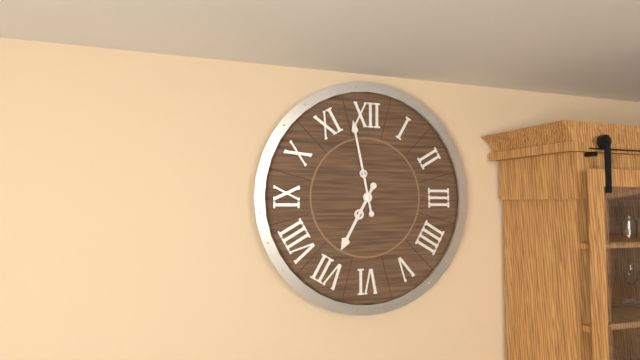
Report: {"hour": 6, "minute": 58}
